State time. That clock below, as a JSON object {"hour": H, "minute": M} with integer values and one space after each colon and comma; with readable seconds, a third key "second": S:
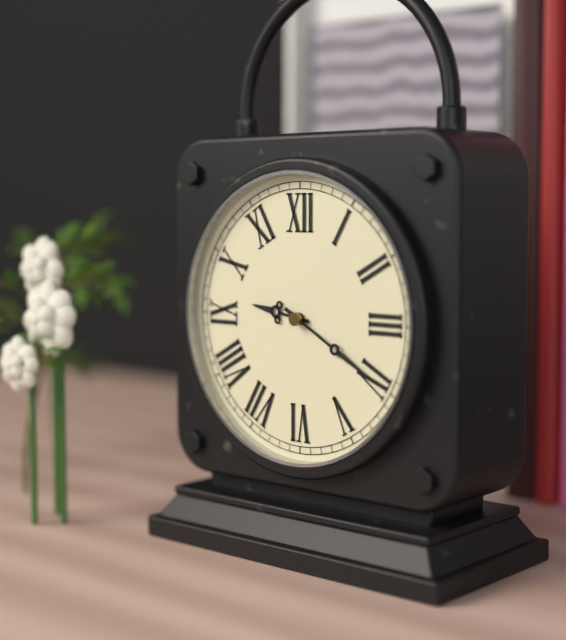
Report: {"hour": 9, "minute": 20}
